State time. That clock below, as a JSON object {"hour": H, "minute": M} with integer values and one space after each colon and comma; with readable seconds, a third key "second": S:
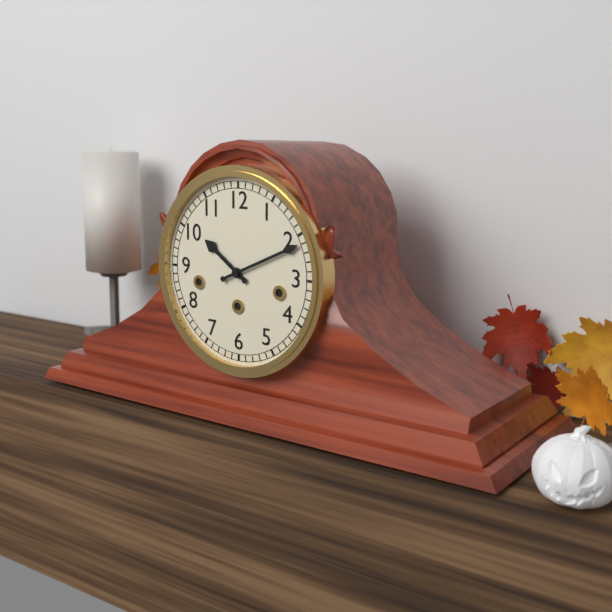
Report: {"hour": 10, "minute": 11}
